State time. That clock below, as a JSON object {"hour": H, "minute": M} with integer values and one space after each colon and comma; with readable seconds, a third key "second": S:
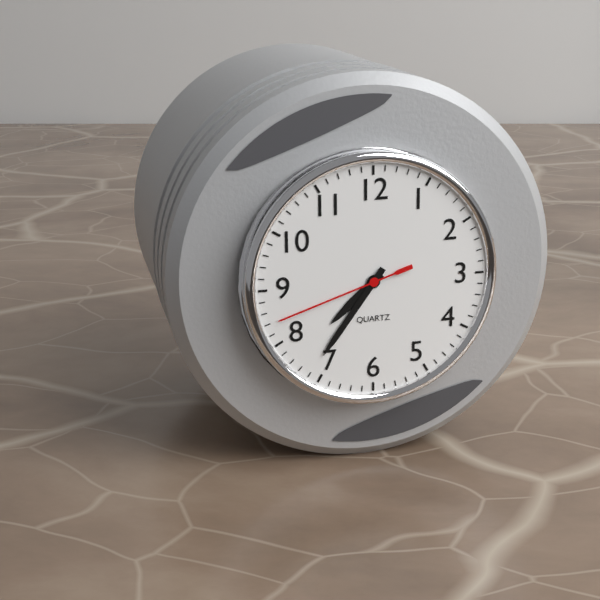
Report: {"hour": 7, "minute": 36, "second": 42}
